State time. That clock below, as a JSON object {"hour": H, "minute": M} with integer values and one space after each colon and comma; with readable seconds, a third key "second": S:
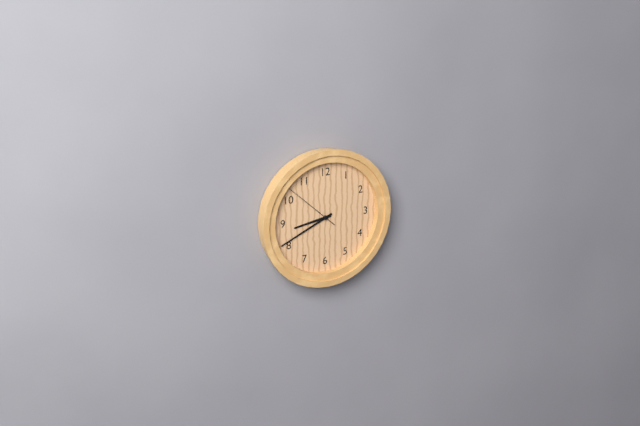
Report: {"hour": 8, "minute": 41, "second": 52}
